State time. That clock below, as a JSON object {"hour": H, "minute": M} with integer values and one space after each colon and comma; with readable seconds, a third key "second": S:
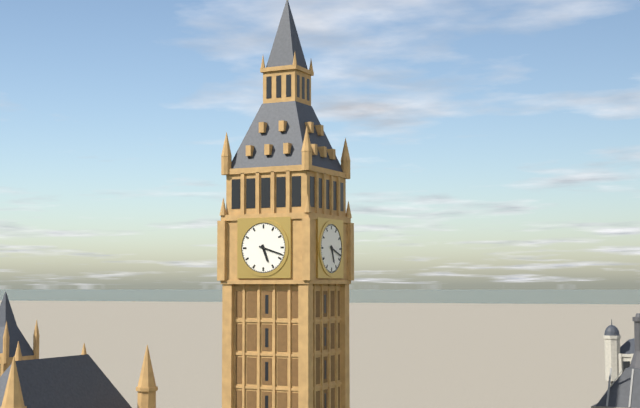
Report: {"hour": 5, "minute": 18}
